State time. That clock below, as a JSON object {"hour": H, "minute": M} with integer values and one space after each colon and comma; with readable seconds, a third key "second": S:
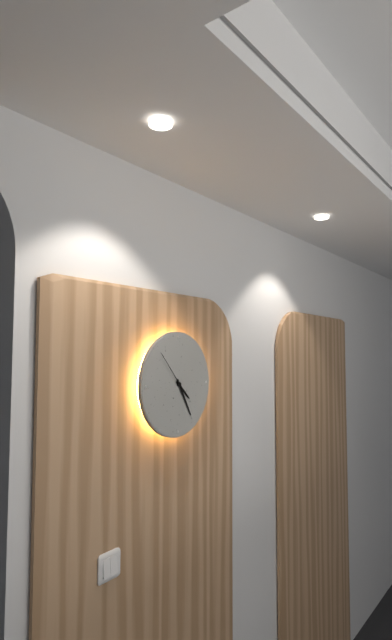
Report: {"hour": 4, "minute": 25}
